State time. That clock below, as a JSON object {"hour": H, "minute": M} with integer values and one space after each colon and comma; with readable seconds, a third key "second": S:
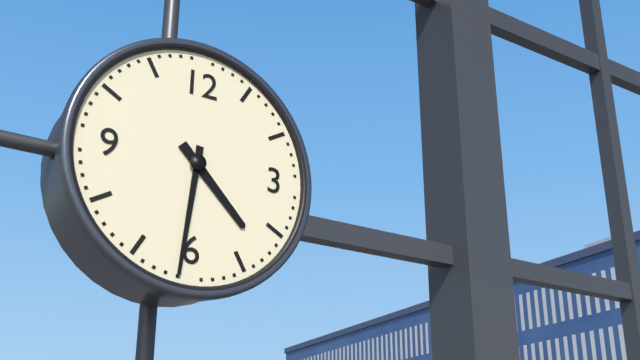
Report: {"hour": 4, "minute": 31}
